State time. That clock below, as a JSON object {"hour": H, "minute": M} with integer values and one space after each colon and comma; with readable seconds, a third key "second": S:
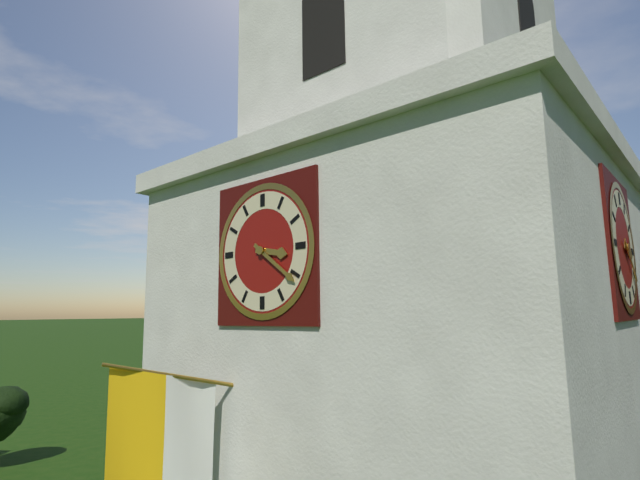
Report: {"hour": 3, "minute": 21}
